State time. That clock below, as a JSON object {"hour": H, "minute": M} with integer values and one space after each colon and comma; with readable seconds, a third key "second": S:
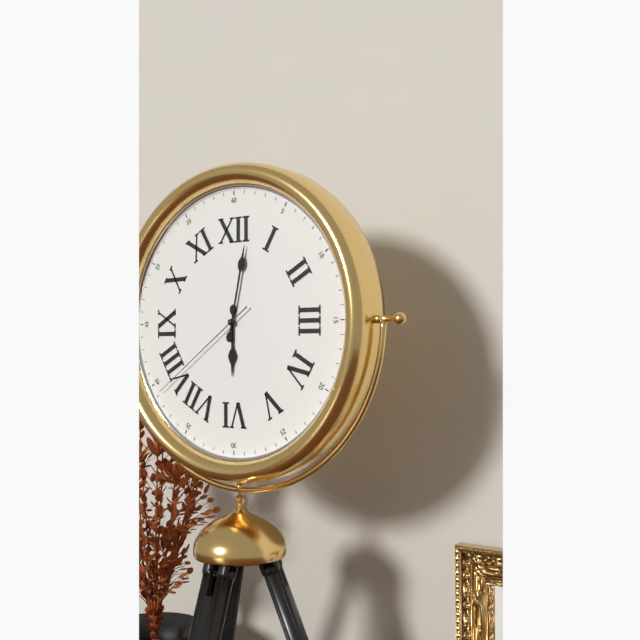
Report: {"hour": 6, "minute": 2, "second": 39}
